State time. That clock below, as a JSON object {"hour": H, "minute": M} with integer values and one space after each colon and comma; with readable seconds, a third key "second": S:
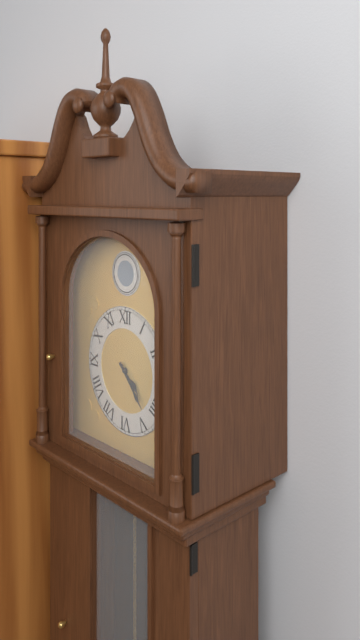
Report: {"hour": 4, "minute": 23}
